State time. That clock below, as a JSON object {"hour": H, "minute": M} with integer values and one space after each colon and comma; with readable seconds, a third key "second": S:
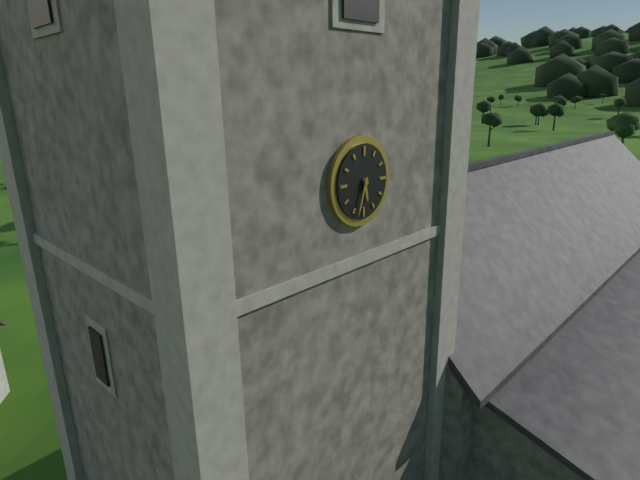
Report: {"hour": 5, "minute": 33}
